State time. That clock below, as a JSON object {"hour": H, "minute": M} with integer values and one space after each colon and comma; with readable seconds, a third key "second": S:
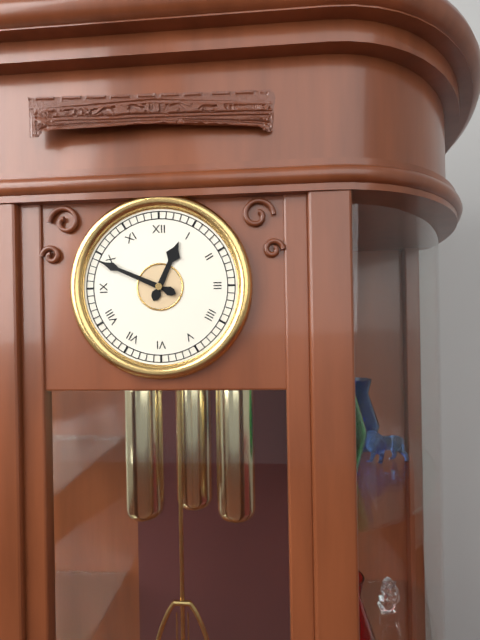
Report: {"hour": 12, "minute": 49}
